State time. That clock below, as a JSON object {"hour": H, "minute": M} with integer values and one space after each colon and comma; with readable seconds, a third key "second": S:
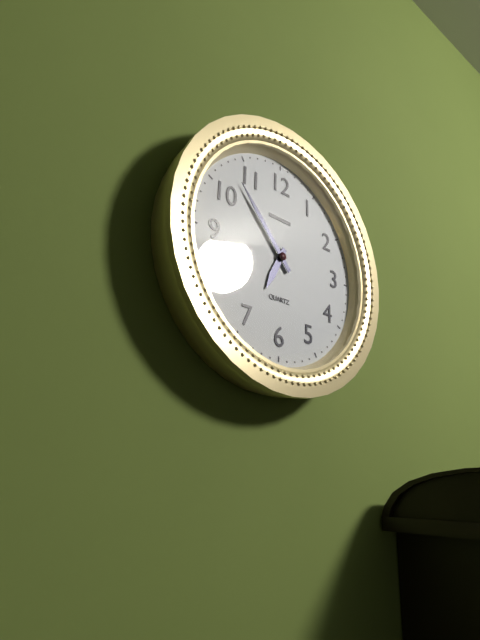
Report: {"hour": 6, "minute": 53}
